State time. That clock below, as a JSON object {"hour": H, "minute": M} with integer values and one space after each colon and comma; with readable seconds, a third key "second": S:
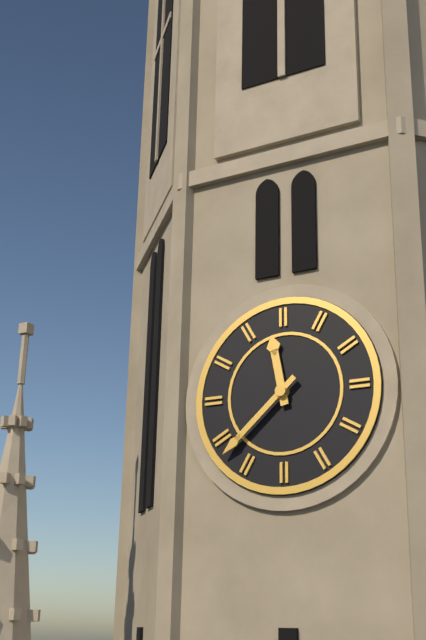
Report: {"hour": 11, "minute": 38}
